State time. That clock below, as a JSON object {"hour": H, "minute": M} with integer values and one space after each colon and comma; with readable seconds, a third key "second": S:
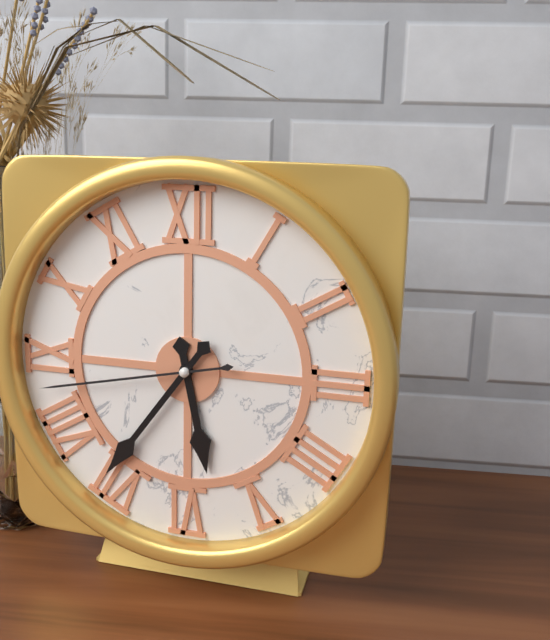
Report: {"hour": 5, "minute": 36, "second": 43}
